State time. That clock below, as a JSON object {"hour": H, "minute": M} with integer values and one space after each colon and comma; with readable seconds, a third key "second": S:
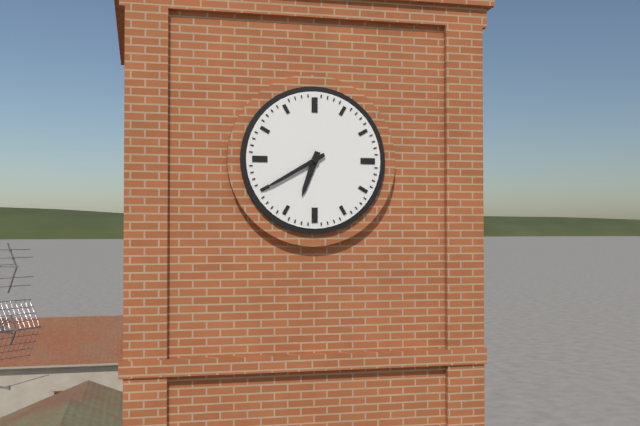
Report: {"hour": 6, "minute": 40}
